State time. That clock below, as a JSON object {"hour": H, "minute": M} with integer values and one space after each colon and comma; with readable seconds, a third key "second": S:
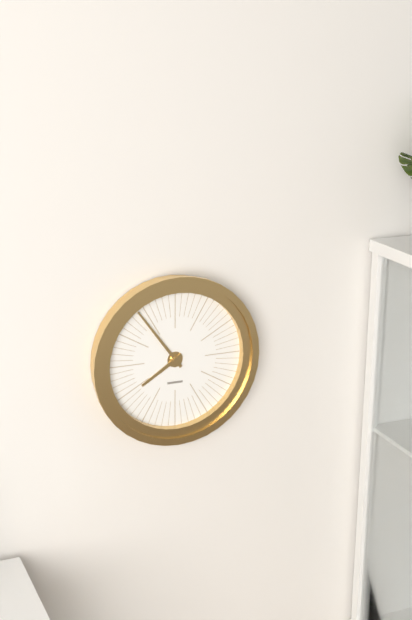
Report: {"hour": 7, "minute": 54}
